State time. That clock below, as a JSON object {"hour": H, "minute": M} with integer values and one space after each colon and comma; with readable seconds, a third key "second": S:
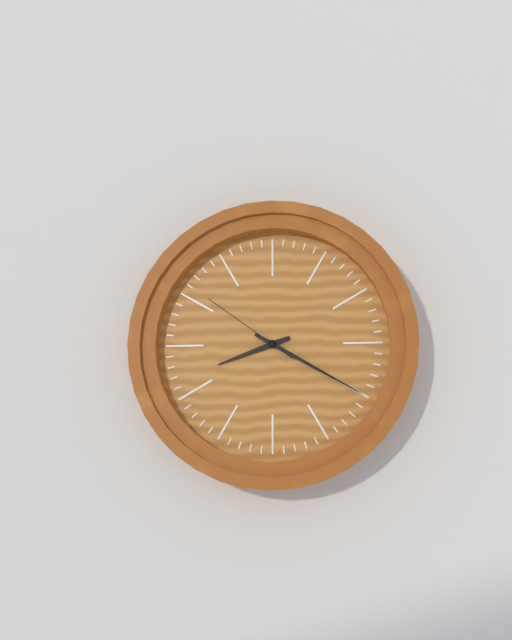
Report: {"hour": 8, "minute": 20, "second": 51}
